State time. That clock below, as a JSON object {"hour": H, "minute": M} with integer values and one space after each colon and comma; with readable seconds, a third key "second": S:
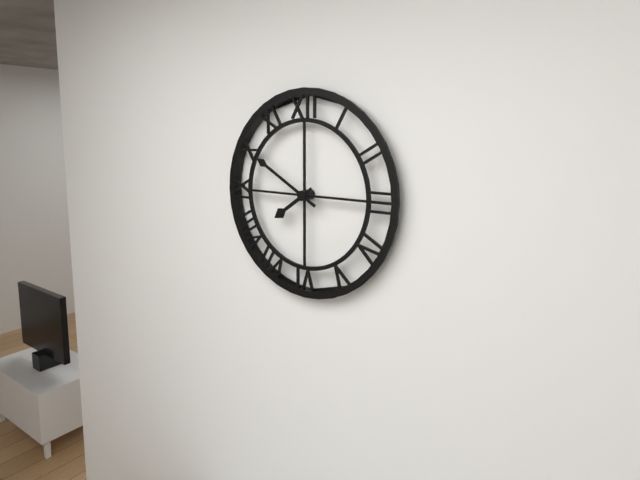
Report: {"hour": 7, "minute": 50}
